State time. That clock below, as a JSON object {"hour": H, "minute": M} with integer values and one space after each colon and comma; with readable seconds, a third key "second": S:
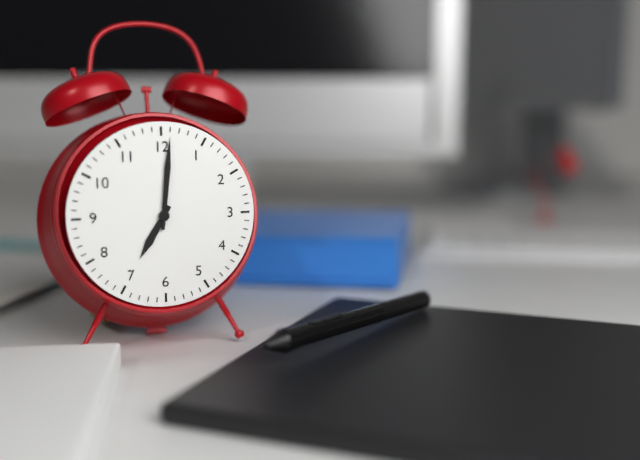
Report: {"hour": 7, "minute": 1}
